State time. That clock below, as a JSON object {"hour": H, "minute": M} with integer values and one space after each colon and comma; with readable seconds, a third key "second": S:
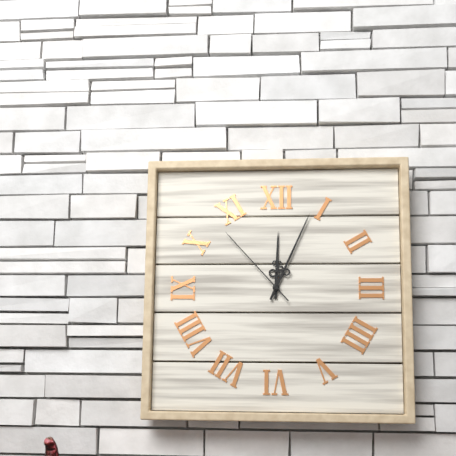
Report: {"hour": 12, "minute": 4, "second": 53}
